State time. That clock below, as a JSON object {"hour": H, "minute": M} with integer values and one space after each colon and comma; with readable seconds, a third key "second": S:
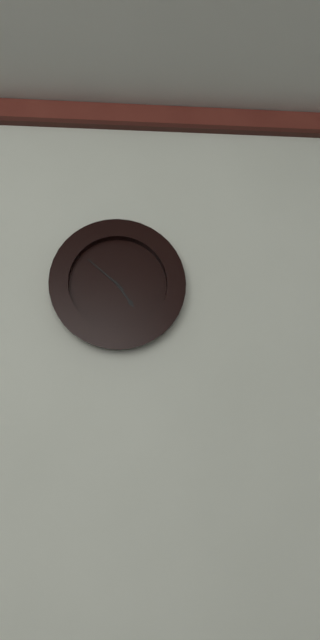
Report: {"hour": 4, "minute": 52}
